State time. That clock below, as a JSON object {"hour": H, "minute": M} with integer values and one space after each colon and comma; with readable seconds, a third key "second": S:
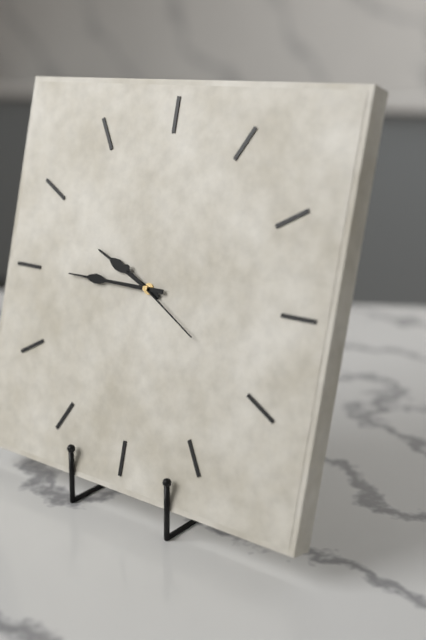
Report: {"hour": 9, "minute": 45, "second": 20}
